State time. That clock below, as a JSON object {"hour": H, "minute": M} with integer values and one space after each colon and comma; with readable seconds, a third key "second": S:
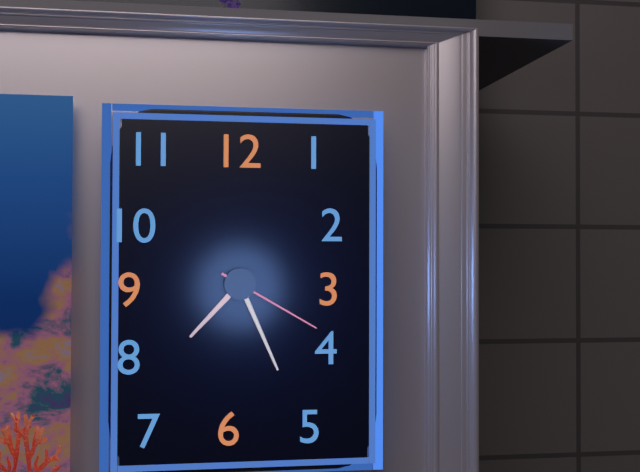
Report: {"hour": 7, "minute": 26, "second": 20}
